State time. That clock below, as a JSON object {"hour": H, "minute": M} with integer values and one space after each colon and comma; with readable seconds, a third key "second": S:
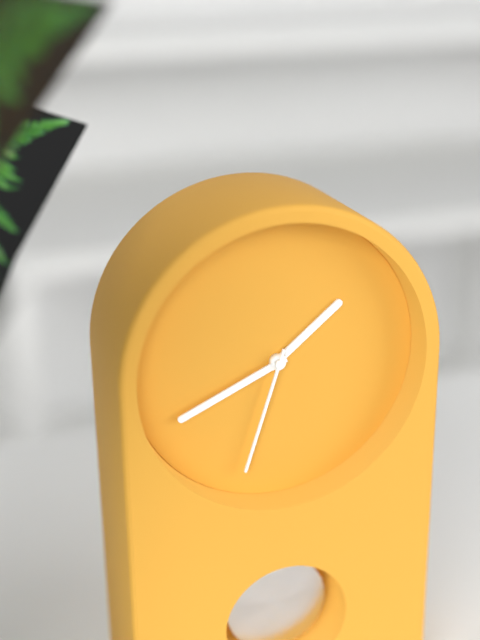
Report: {"hour": 1, "minute": 41, "second": 33}
